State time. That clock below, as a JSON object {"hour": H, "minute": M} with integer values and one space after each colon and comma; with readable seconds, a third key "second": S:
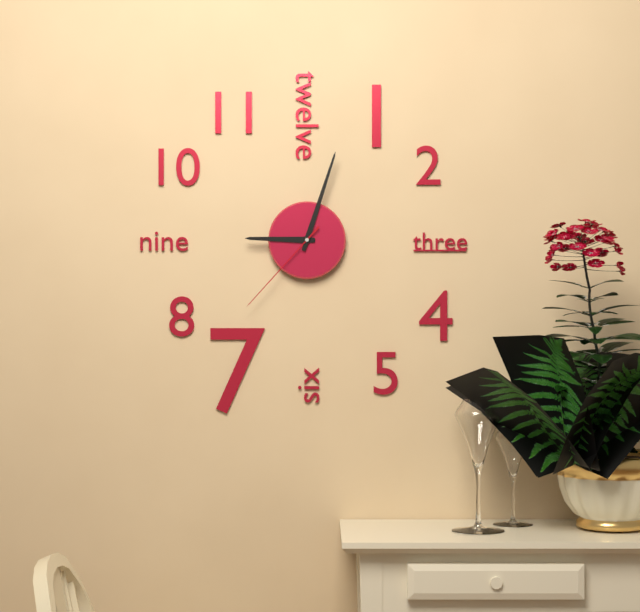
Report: {"hour": 9, "minute": 3, "second": 37}
